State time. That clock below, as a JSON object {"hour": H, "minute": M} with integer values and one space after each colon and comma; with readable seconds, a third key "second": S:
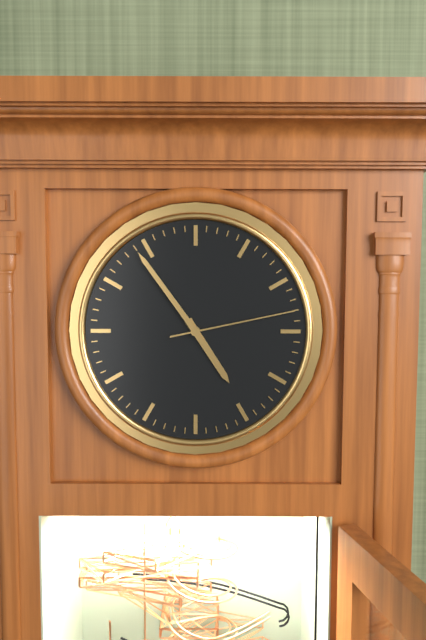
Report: {"hour": 4, "minute": 54, "second": 13}
